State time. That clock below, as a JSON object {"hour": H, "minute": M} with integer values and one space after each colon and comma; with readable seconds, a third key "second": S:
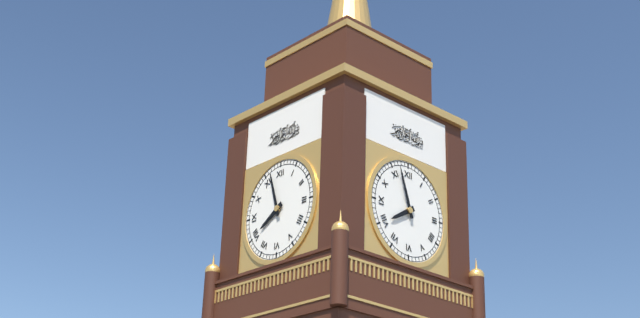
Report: {"hour": 7, "minute": 57}
